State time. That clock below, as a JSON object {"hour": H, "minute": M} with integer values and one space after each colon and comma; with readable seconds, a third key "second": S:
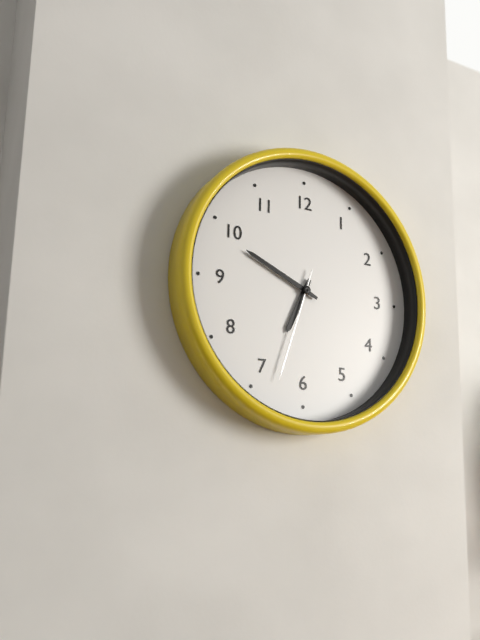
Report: {"hour": 6, "minute": 49, "second": 33}
